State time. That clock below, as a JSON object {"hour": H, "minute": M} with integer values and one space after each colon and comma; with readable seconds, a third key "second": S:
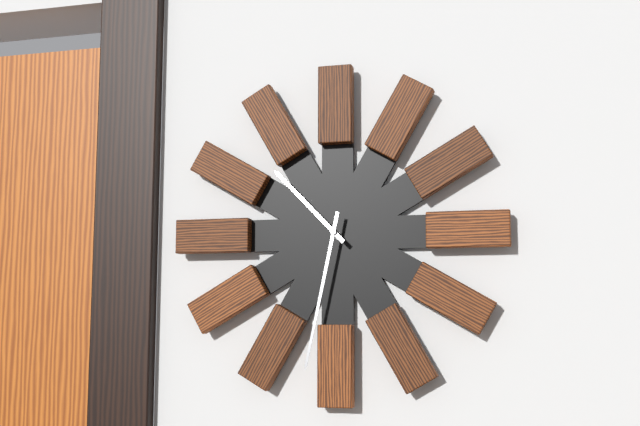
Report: {"hour": 10, "minute": 32}
